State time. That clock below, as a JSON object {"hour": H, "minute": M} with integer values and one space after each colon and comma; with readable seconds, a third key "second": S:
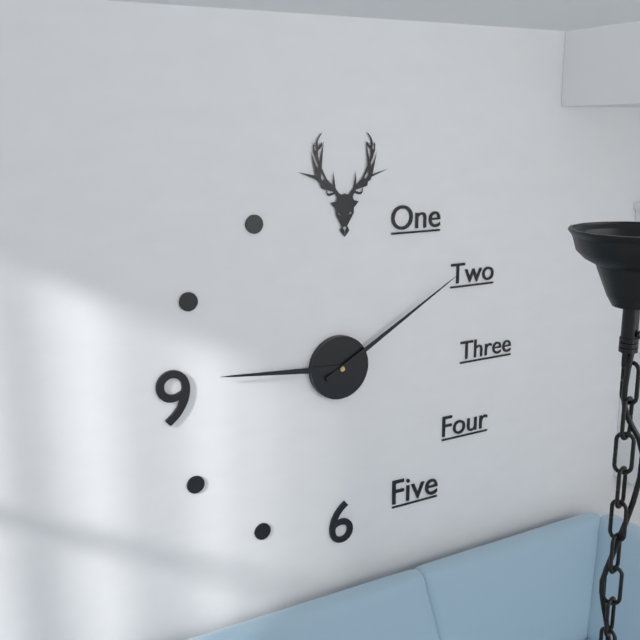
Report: {"hour": 9, "minute": 10}
